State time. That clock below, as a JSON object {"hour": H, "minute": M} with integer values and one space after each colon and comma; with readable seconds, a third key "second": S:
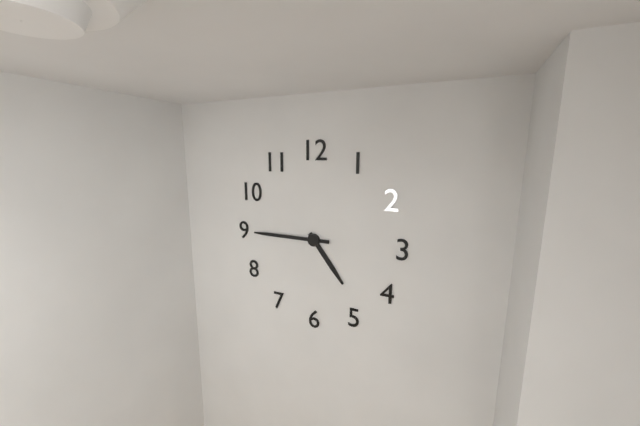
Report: {"hour": 4, "minute": 45}
